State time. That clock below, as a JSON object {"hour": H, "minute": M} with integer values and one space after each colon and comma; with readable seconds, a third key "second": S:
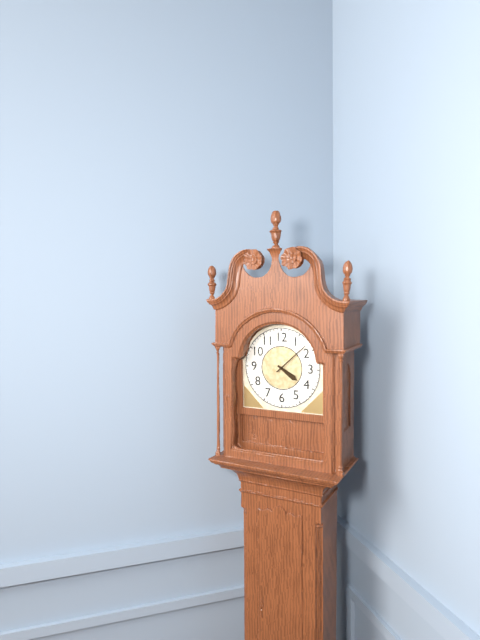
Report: {"hour": 4, "minute": 8}
